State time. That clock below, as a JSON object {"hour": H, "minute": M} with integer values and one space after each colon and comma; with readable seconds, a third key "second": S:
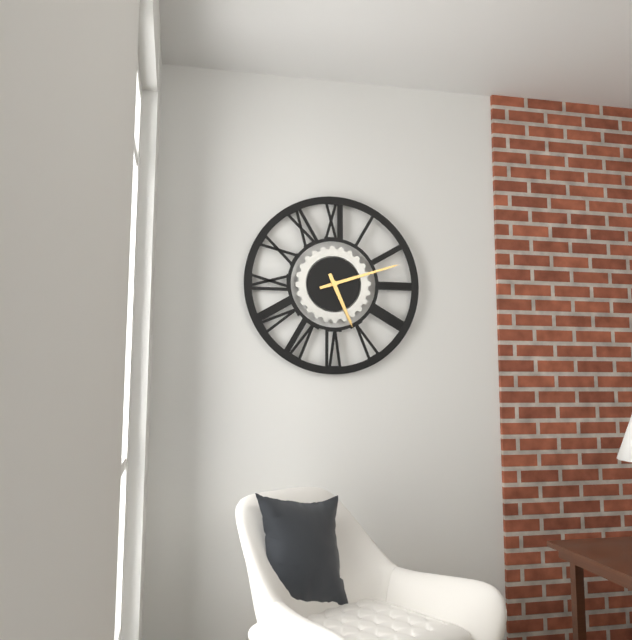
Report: {"hour": 5, "minute": 12}
